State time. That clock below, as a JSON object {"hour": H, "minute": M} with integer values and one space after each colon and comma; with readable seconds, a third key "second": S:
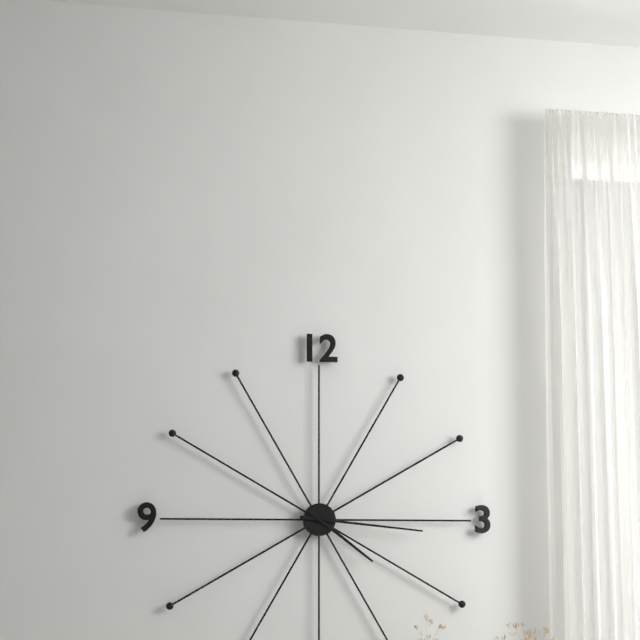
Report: {"hour": 4, "minute": 16}
